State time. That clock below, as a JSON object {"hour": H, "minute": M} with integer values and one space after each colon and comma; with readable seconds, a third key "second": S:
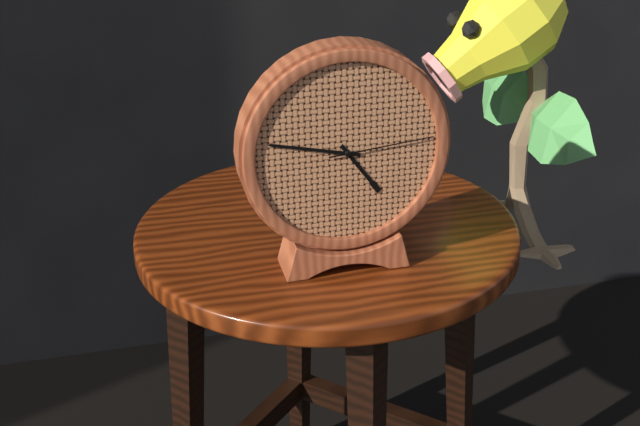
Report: {"hour": 4, "minute": 47, "second": 14}
